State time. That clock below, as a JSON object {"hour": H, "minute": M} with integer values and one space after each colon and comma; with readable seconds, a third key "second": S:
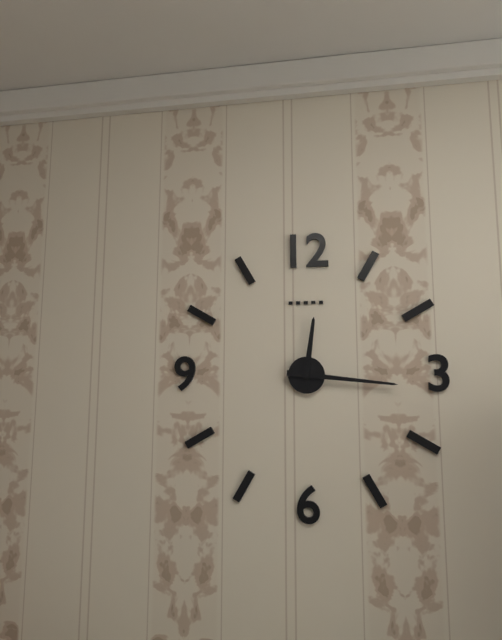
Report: {"hour": 12, "minute": 16}
